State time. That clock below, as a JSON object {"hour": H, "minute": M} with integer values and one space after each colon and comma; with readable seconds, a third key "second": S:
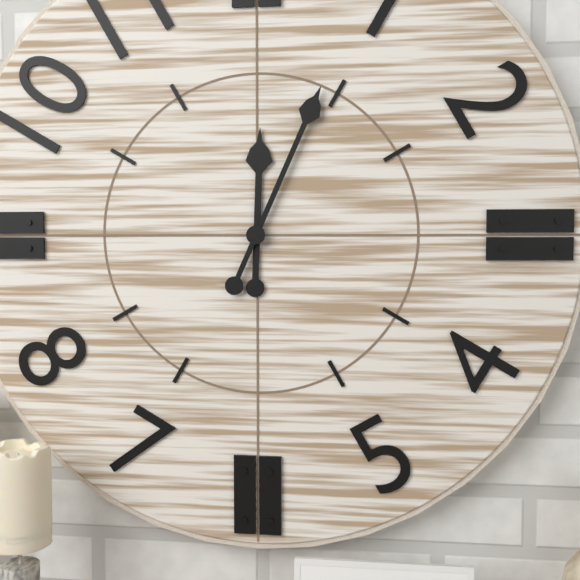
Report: {"hour": 12, "minute": 4}
